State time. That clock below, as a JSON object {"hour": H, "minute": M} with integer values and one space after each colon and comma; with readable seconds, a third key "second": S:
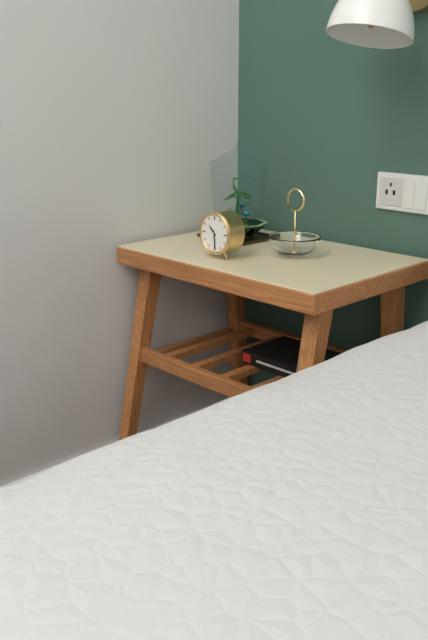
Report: {"hour": 10, "minute": 29}
